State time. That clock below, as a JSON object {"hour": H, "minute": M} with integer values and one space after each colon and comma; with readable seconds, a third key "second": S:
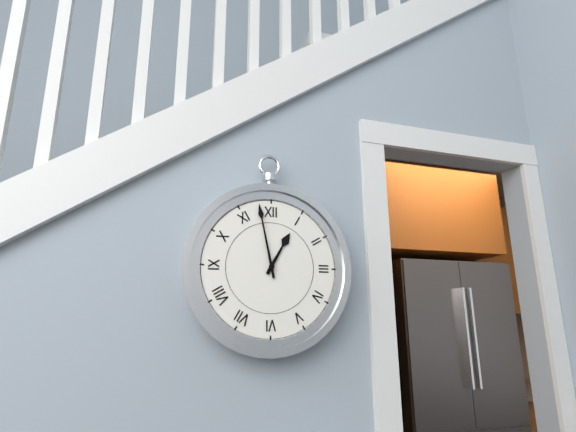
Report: {"hour": 12, "minute": 58}
